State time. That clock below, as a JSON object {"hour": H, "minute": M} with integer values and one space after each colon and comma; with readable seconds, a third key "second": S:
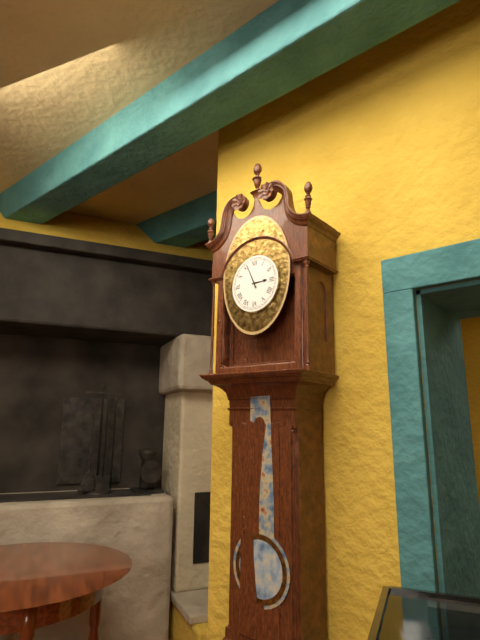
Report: {"hour": 2, "minute": 56}
